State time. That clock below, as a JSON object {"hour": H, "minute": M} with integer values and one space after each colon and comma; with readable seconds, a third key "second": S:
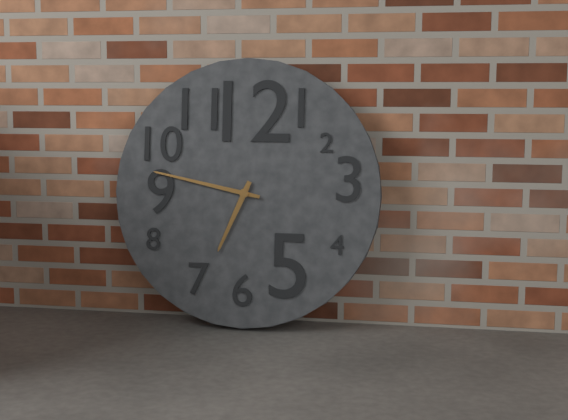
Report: {"hour": 6, "minute": 47}
